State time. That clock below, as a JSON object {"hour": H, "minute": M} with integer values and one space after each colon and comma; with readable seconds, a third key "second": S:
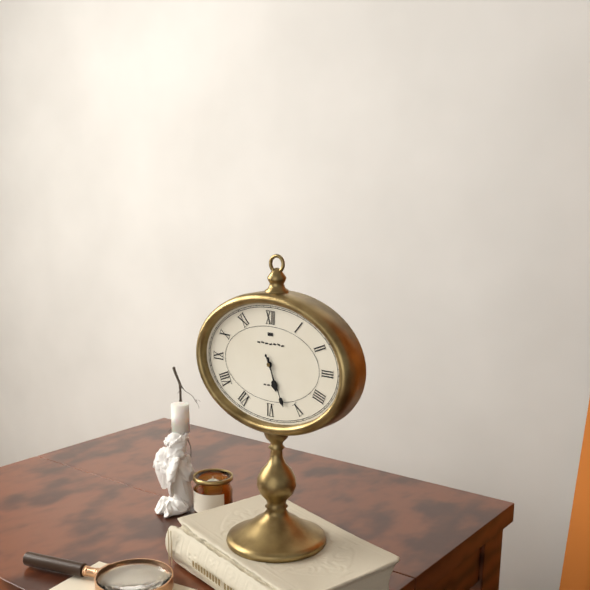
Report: {"hour": 5, "minute": 26}
